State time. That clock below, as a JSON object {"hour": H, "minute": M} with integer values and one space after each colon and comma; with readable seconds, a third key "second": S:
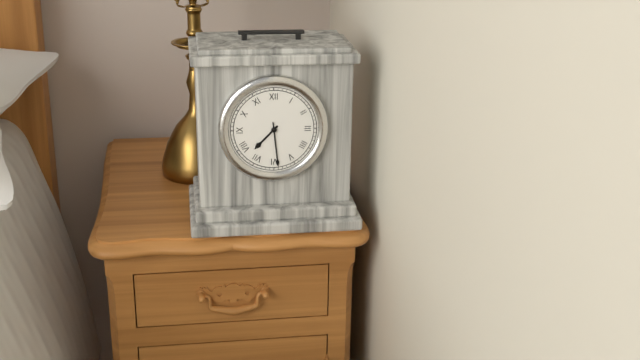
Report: {"hour": 7, "minute": 29}
